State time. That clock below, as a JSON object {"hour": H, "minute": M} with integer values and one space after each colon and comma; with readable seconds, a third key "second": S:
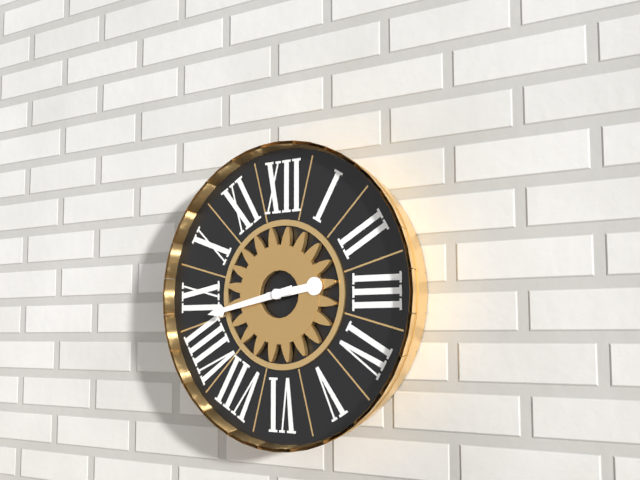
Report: {"hour": 2, "minute": 43}
